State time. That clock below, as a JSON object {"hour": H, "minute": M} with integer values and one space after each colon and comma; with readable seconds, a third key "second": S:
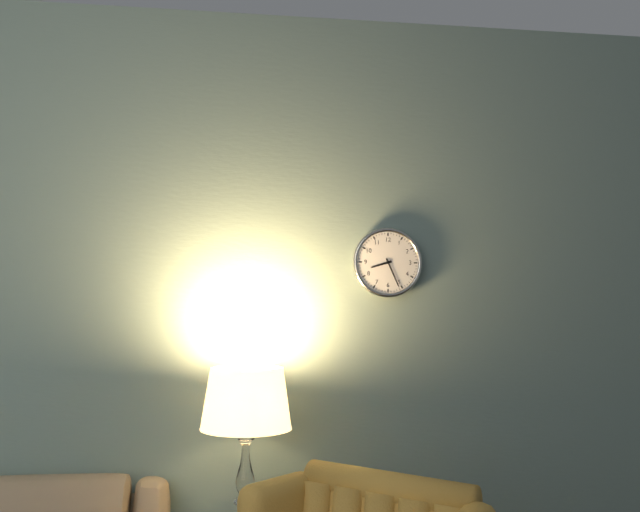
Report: {"hour": 8, "minute": 26}
